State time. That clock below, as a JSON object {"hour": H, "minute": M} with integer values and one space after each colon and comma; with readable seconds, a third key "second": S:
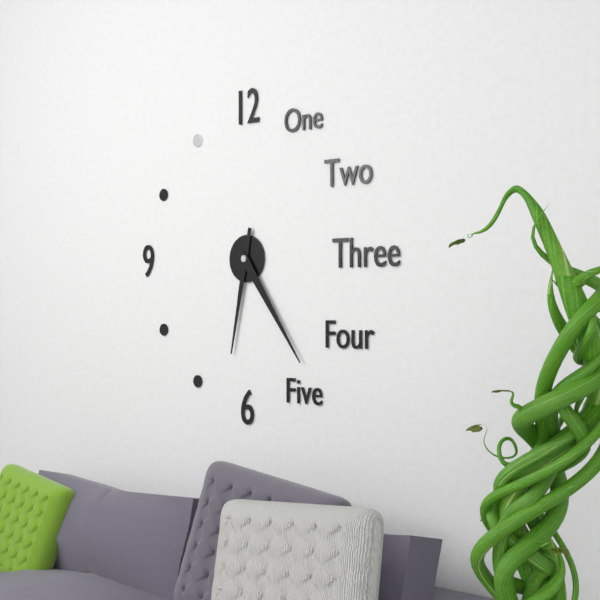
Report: {"hour": 6, "minute": 24}
